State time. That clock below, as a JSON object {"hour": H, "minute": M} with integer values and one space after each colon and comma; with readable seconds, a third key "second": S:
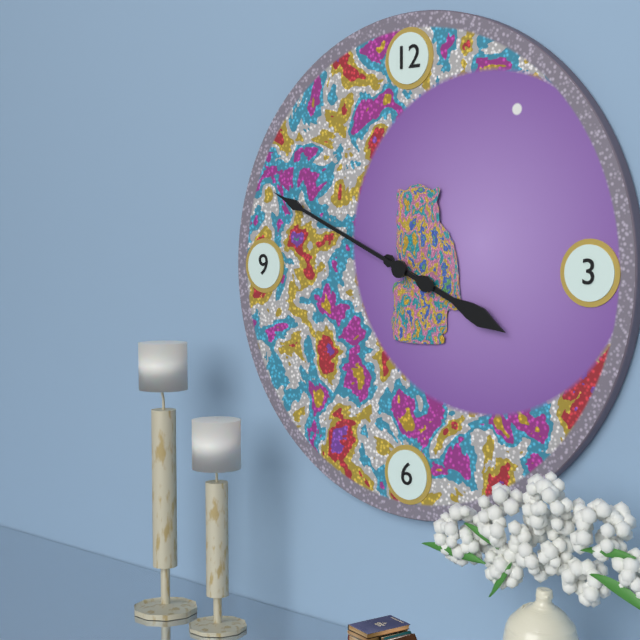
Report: {"hour": 3, "minute": 49}
